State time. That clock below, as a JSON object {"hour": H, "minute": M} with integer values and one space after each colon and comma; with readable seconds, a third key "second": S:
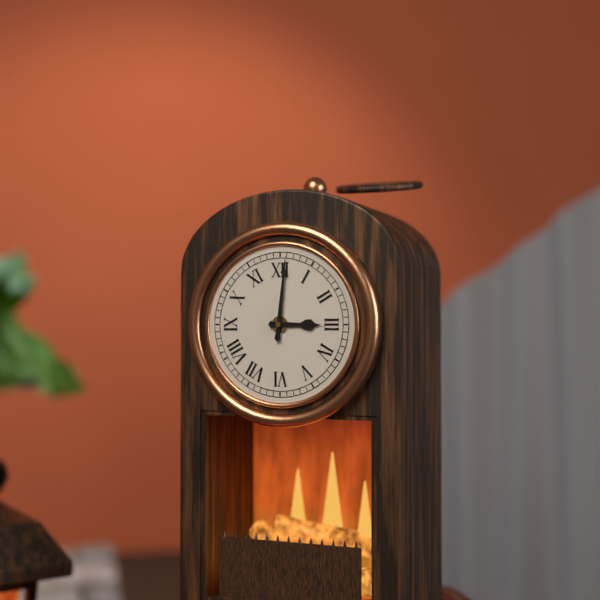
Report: {"hour": 3, "minute": 1}
